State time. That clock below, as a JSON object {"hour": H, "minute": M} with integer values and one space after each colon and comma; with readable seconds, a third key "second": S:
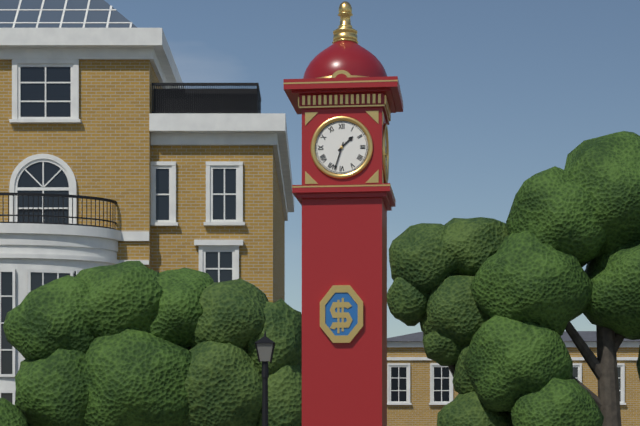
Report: {"hour": 1, "minute": 33}
